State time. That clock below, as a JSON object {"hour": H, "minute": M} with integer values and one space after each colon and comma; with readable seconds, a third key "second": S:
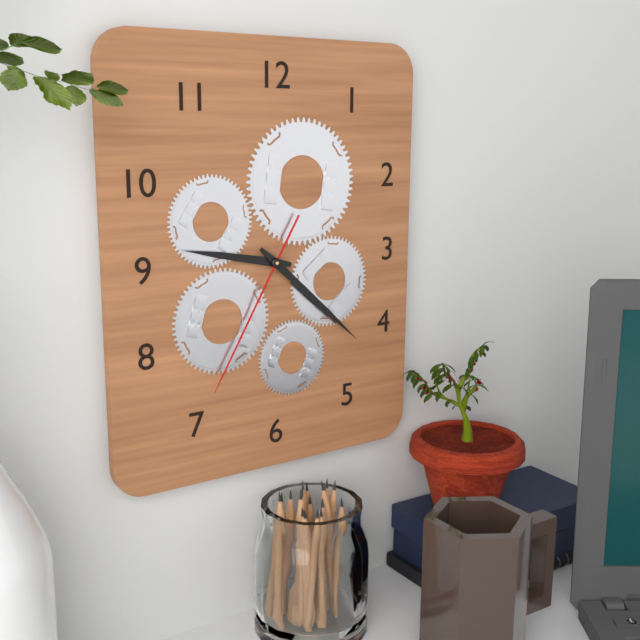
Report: {"hour": 9, "minute": 22, "second": 35}
